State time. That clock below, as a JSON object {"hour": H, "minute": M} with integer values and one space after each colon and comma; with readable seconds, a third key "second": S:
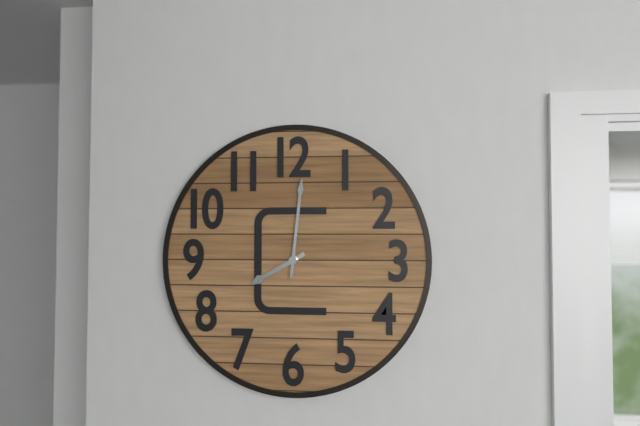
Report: {"hour": 8, "minute": 1}
